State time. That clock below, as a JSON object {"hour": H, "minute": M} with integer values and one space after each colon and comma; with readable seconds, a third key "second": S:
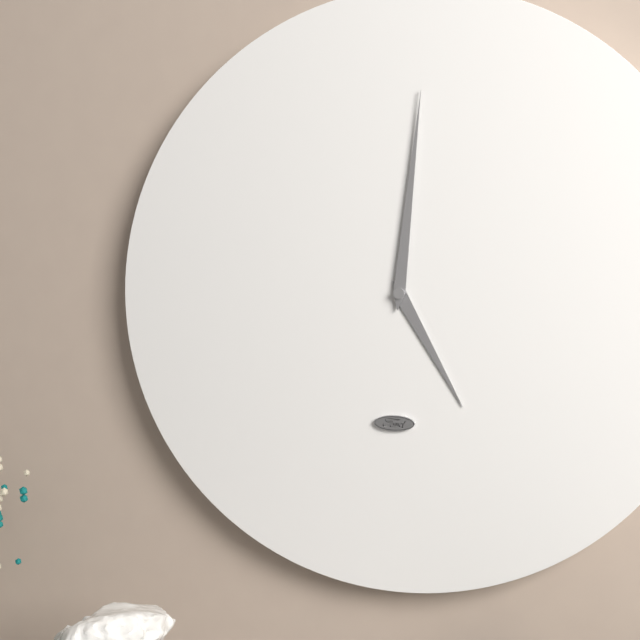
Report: {"hour": 5, "minute": 1}
